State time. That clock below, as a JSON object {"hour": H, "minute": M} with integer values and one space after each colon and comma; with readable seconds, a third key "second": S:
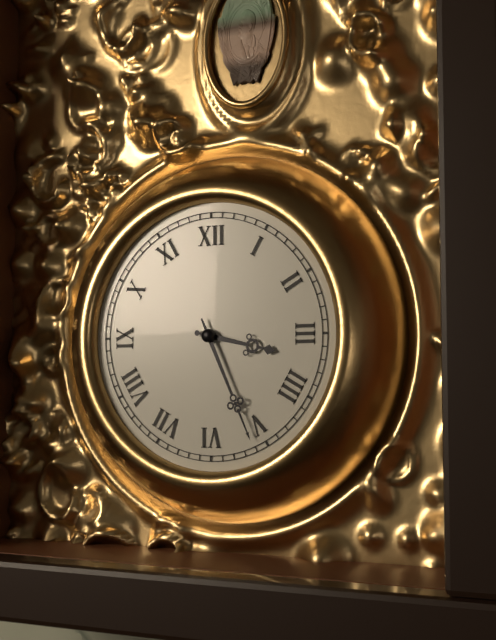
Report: {"hour": 3, "minute": 26}
